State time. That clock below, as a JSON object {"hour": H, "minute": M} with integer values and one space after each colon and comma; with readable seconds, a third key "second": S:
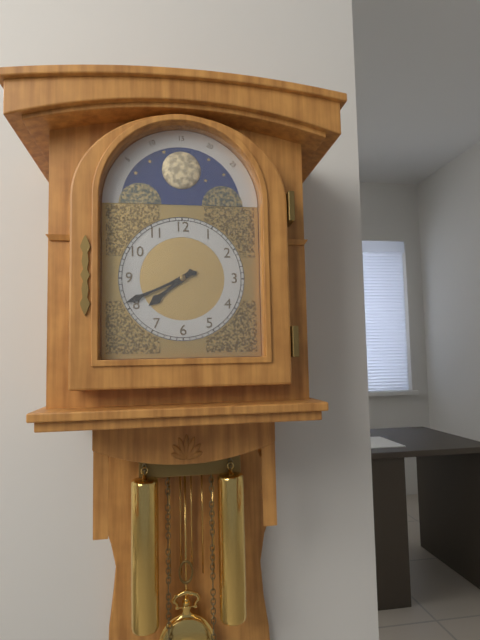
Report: {"hour": 7, "minute": 41}
